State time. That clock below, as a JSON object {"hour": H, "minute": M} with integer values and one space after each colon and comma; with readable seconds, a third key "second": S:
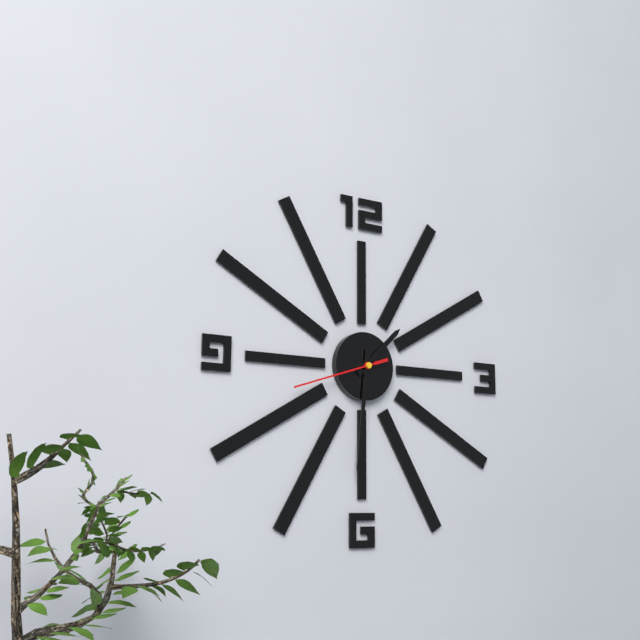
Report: {"hour": 1, "minute": 31, "second": 42}
